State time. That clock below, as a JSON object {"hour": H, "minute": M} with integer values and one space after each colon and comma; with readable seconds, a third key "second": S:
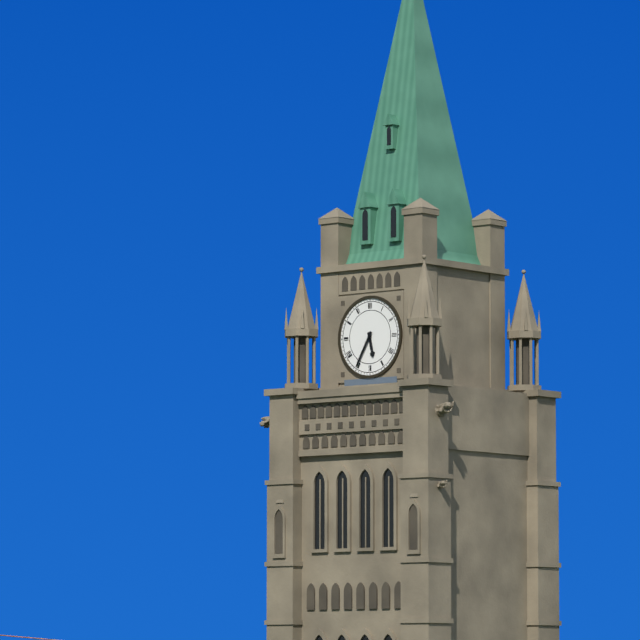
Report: {"hour": 5, "minute": 35}
